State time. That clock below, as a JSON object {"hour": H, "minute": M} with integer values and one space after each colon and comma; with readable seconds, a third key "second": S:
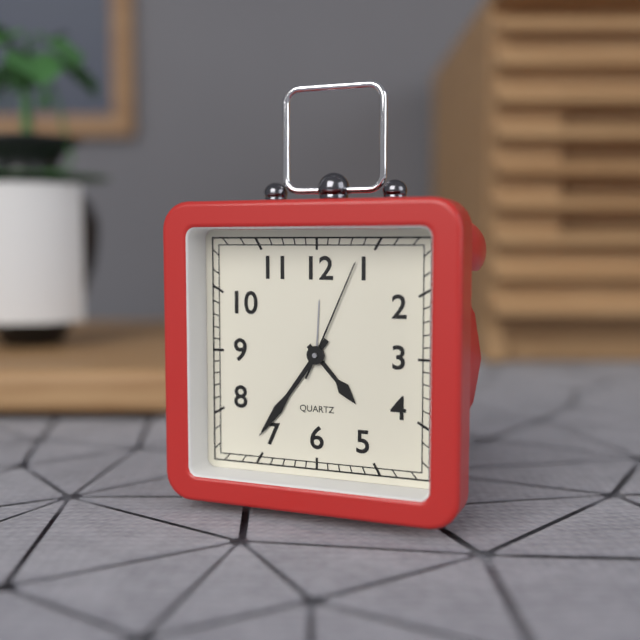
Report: {"hour": 4, "minute": 36, "second": 4}
